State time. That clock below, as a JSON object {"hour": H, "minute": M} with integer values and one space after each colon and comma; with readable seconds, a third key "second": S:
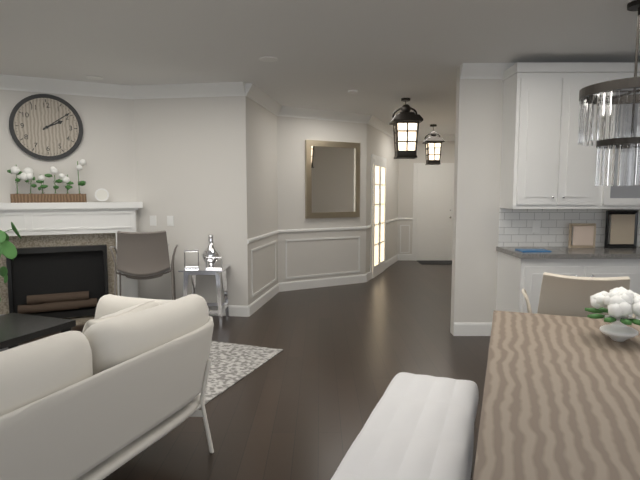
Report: {"hour": 2, "minute": 9}
